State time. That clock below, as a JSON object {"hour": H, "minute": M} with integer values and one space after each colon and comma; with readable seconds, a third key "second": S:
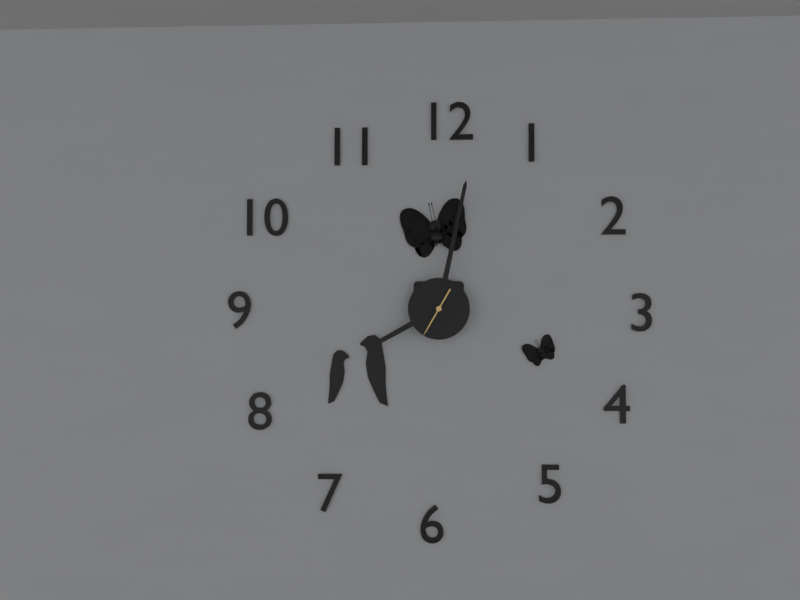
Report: {"hour": 8, "minute": 2}
